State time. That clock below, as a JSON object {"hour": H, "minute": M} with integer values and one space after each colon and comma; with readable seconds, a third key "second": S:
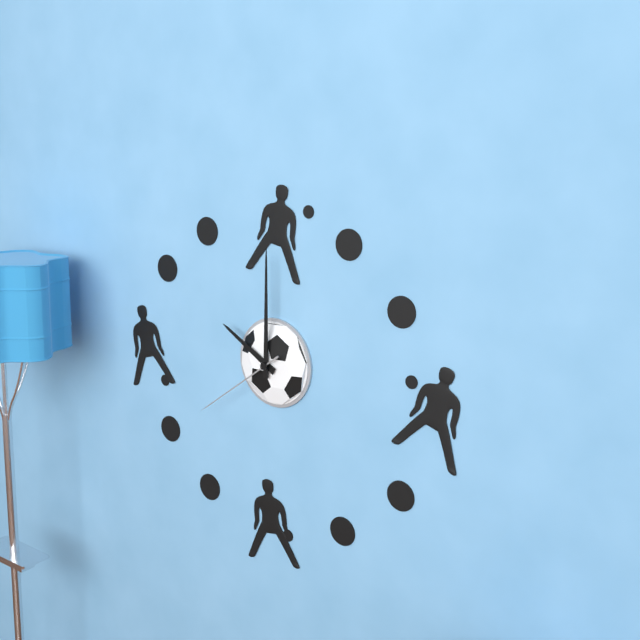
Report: {"hour": 10, "minute": 0, "second": 39}
